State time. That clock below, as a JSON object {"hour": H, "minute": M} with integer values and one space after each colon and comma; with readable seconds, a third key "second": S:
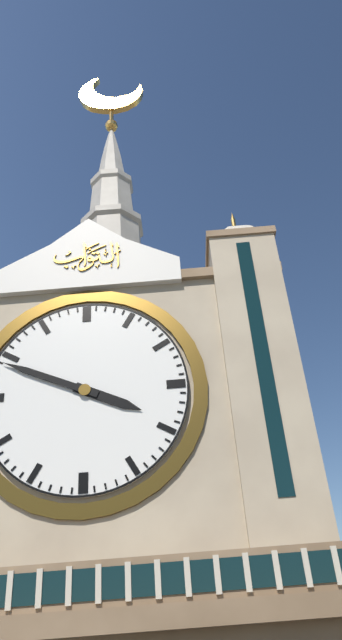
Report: {"hour": 3, "minute": 49}
